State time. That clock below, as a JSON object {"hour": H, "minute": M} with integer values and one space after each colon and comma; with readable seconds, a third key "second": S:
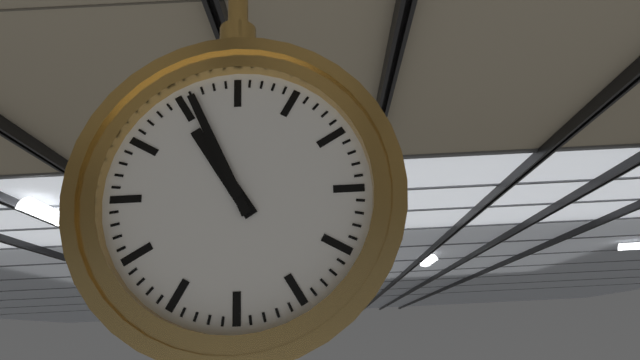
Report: {"hour": 10, "minute": 56}
